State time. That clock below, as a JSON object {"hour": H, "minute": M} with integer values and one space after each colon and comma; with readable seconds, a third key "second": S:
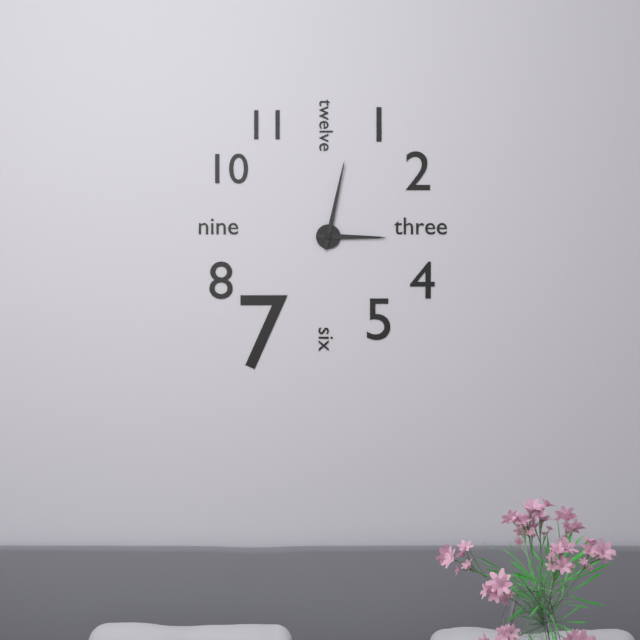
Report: {"hour": 3, "minute": 2}
